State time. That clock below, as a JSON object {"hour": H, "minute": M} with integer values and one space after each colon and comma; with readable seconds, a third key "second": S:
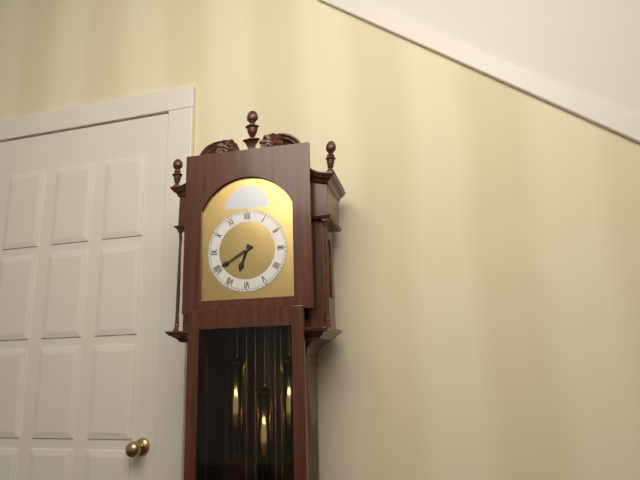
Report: {"hour": 6, "minute": 40}
